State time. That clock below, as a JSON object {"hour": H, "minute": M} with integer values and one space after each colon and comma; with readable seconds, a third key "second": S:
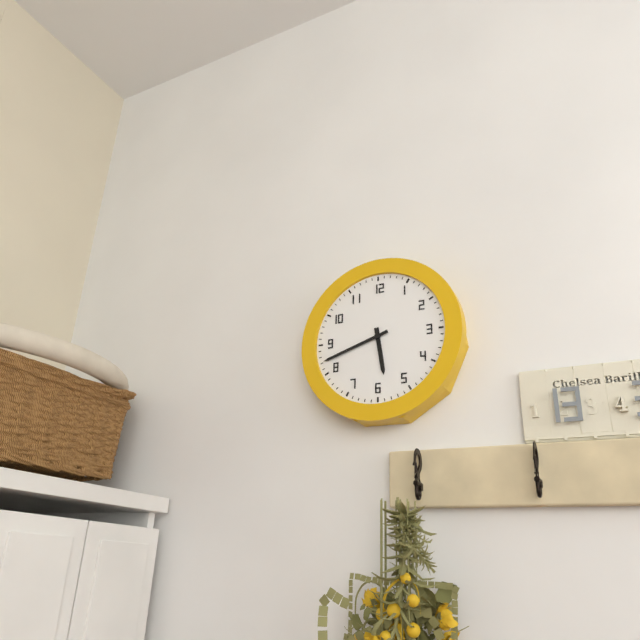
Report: {"hour": 5, "minute": 42}
